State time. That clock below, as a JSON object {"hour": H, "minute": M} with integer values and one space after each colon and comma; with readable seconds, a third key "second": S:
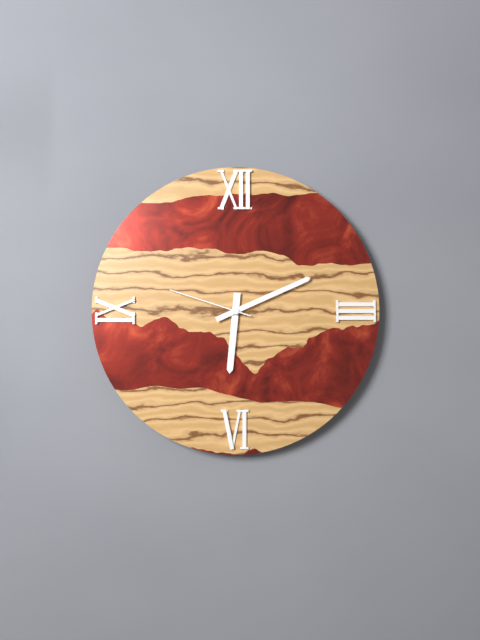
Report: {"hour": 6, "minute": 11, "second": 48}
